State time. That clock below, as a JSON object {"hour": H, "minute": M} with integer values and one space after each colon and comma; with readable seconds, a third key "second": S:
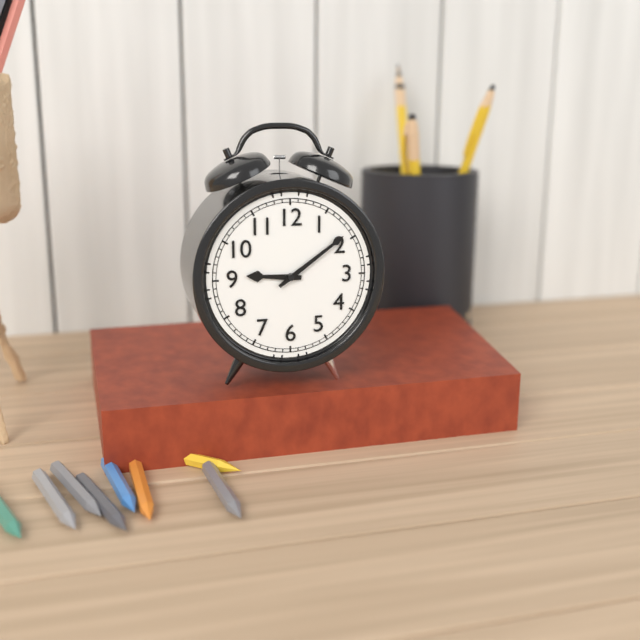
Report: {"hour": 9, "minute": 9}
